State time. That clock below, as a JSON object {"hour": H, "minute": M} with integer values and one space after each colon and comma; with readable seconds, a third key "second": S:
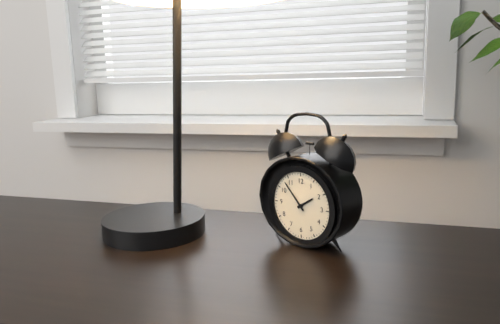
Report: {"hour": 1, "minute": 53}
